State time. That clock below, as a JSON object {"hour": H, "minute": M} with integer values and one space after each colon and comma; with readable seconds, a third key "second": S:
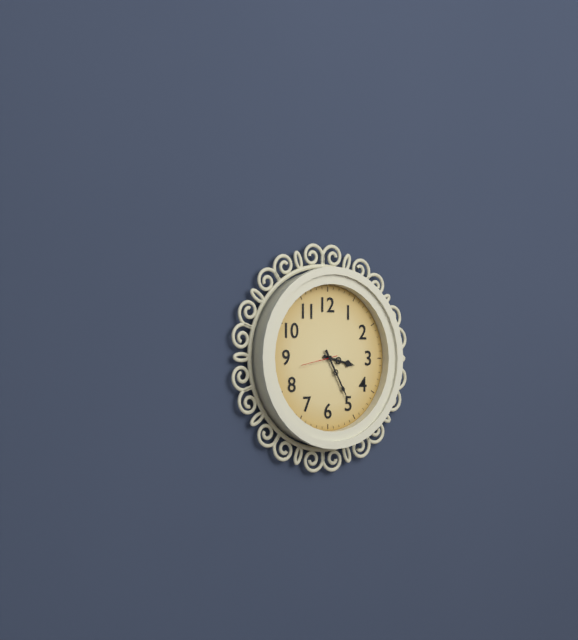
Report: {"hour": 3, "minute": 25}
